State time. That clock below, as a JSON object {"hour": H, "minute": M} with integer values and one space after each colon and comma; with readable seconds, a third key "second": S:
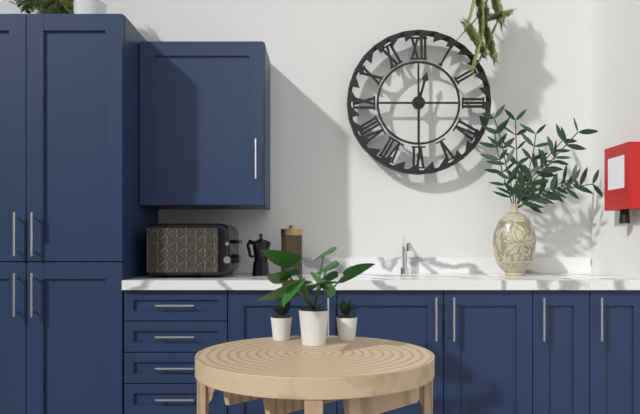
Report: {"hour": 12, "minute": 30}
